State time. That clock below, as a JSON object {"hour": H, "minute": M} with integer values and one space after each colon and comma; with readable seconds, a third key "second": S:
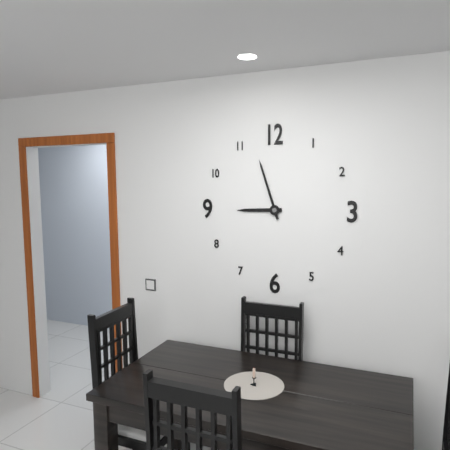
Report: {"hour": 8, "minute": 57}
